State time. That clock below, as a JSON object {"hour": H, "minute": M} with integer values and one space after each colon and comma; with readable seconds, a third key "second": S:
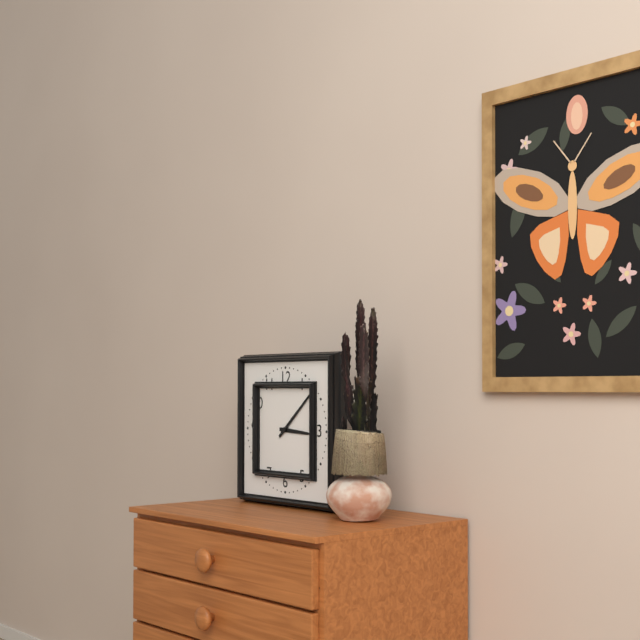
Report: {"hour": 3, "minute": 8}
